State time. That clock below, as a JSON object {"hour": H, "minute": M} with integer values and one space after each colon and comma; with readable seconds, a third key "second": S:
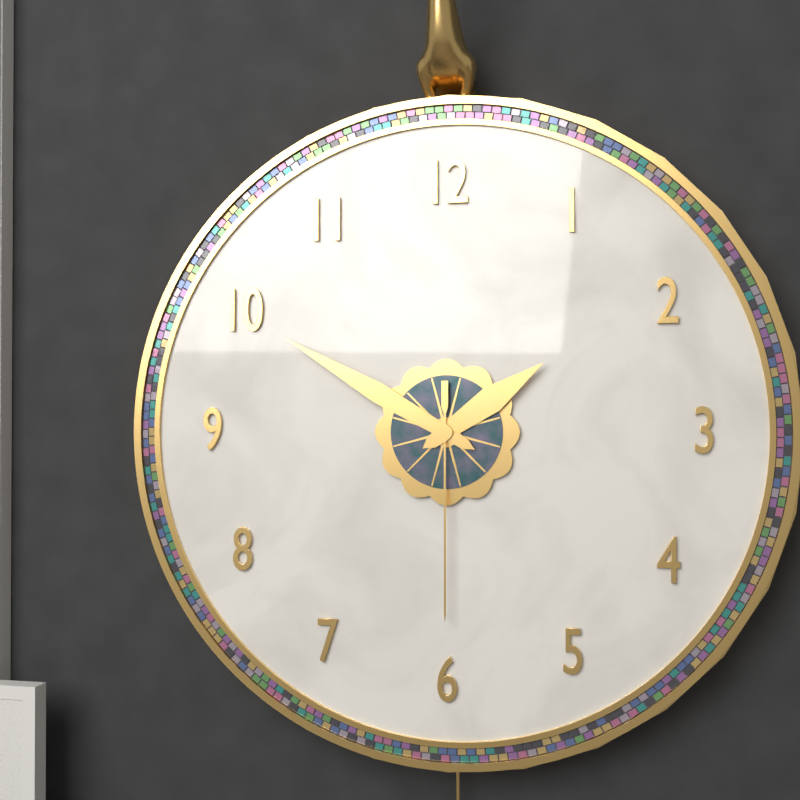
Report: {"hour": 1, "minute": 50, "second": 30}
